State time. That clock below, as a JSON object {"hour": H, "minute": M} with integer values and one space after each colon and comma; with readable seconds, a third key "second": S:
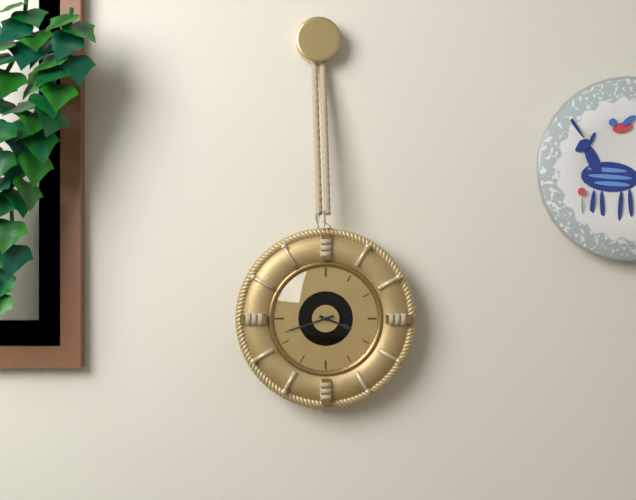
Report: {"hour": 3, "minute": 42}
